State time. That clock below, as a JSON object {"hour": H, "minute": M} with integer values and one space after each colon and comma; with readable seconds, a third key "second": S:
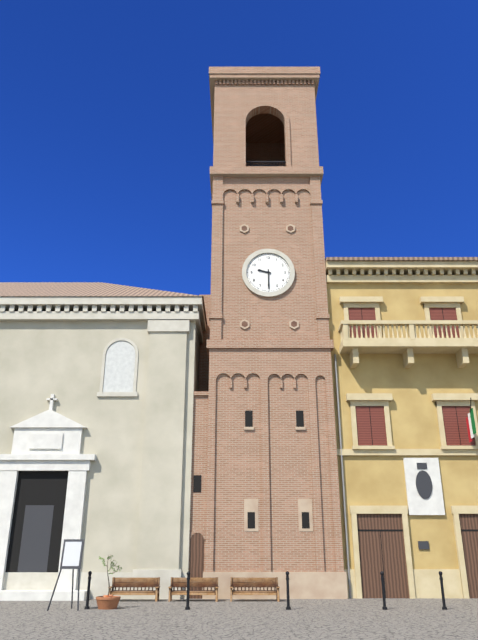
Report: {"hour": 9, "minute": 30}
